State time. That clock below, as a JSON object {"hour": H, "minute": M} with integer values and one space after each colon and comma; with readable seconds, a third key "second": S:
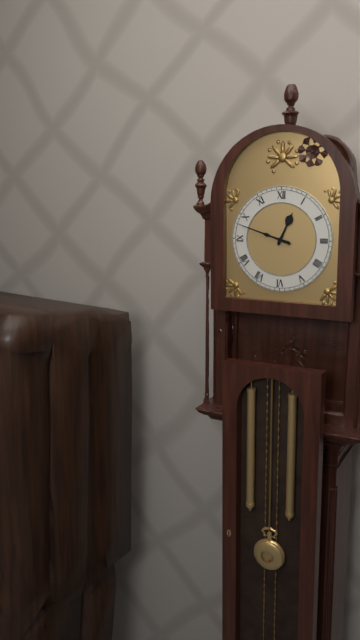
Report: {"hour": 12, "minute": 48}
